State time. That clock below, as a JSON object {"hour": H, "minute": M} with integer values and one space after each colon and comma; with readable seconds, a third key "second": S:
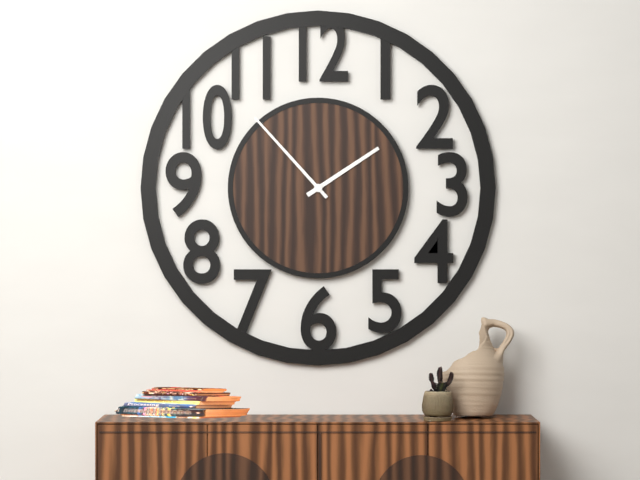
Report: {"hour": 1, "minute": 53}
